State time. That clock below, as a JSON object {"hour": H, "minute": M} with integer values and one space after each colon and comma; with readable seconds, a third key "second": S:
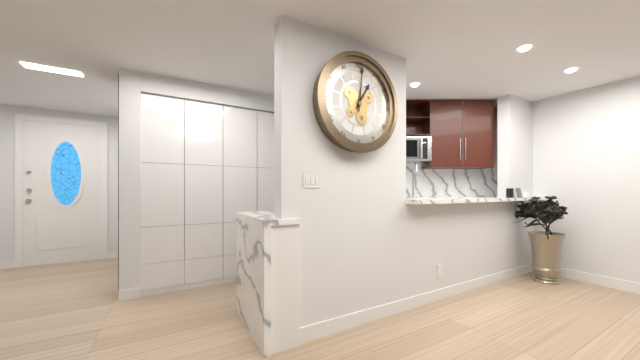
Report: {"hour": 1, "minute": 1}
